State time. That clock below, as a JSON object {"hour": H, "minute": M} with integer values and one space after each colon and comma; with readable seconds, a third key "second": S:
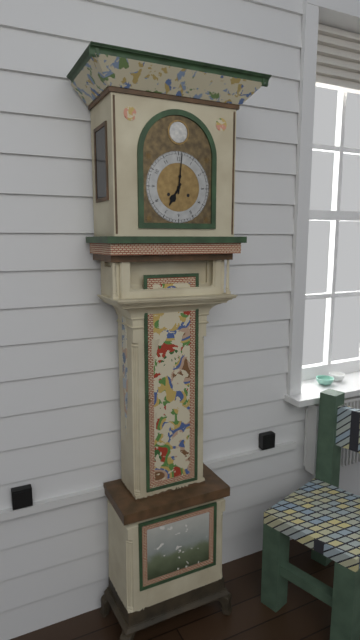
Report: {"hour": 7, "minute": 1}
